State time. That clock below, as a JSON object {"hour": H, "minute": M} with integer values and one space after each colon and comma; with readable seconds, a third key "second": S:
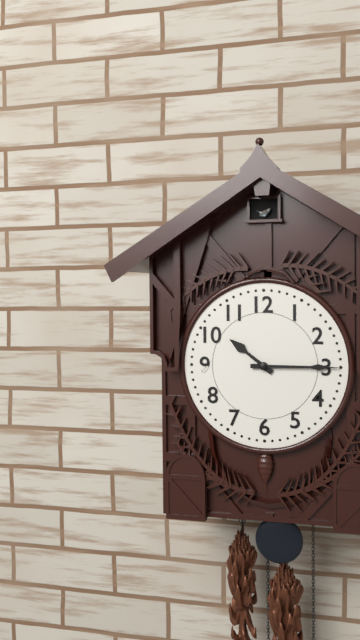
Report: {"hour": 10, "minute": 15}
